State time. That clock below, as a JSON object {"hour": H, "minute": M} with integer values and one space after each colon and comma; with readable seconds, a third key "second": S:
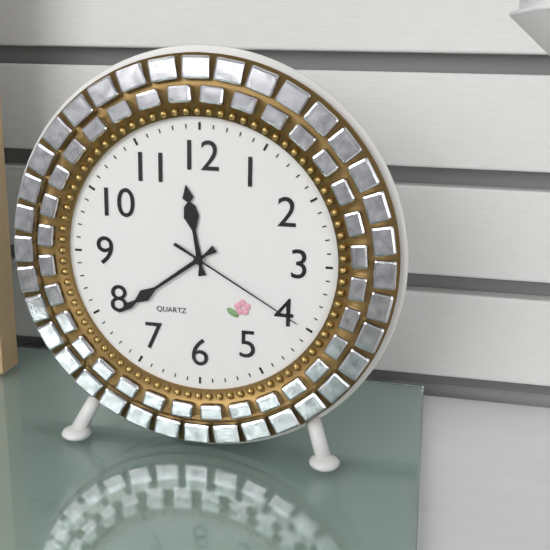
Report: {"hour": 11, "minute": 39, "second": 20}
